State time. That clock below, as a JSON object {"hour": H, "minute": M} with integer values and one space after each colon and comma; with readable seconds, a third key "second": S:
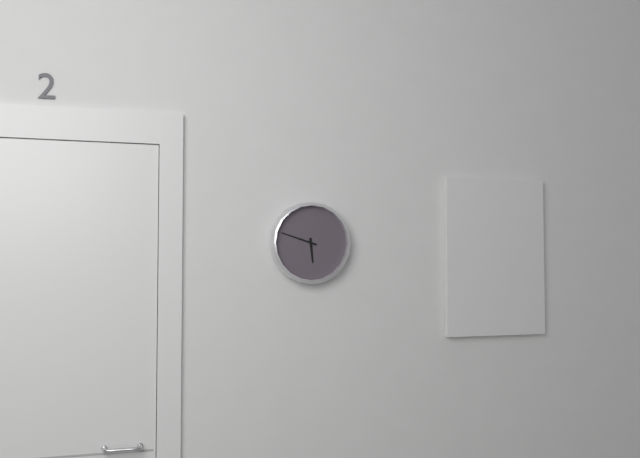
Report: {"hour": 5, "minute": 48}
